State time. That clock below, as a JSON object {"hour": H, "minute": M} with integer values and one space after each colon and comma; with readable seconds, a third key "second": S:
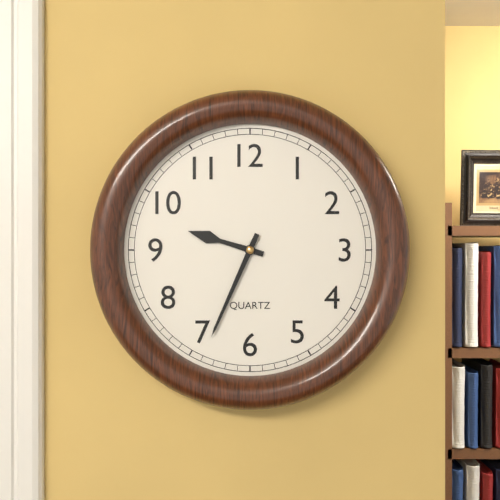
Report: {"hour": 9, "minute": 34}
